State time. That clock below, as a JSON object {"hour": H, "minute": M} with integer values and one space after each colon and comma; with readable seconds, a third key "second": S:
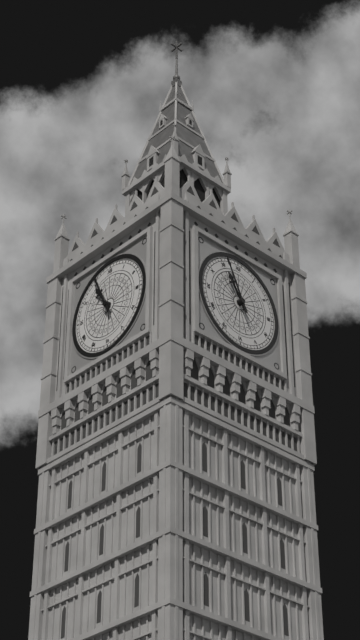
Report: {"hour": 10, "minute": 56}
